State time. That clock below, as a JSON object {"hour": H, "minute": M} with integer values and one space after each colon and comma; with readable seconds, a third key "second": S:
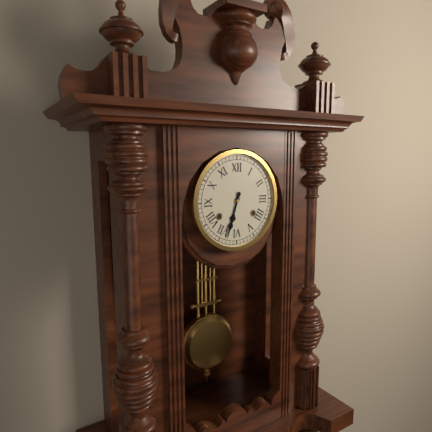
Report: {"hour": 6, "minute": 33}
